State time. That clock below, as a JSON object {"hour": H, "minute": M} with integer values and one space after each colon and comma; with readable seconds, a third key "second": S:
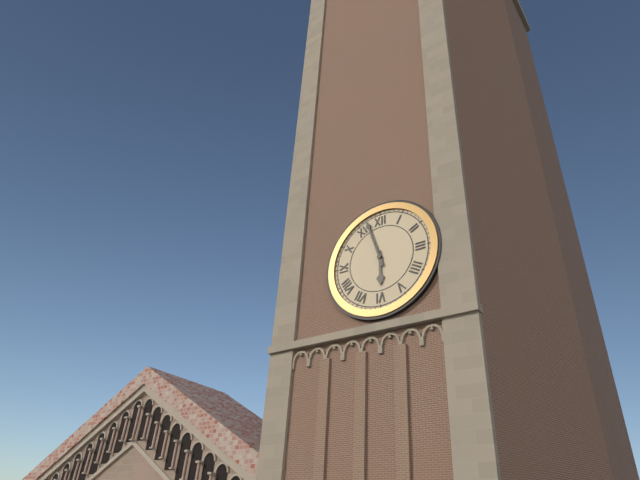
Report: {"hour": 5, "minute": 57}
